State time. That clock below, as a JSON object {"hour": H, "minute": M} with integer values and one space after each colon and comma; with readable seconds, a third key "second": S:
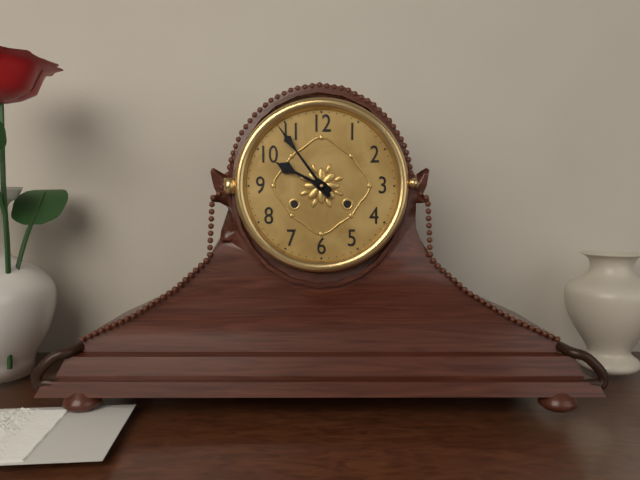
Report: {"hour": 9, "minute": 54}
